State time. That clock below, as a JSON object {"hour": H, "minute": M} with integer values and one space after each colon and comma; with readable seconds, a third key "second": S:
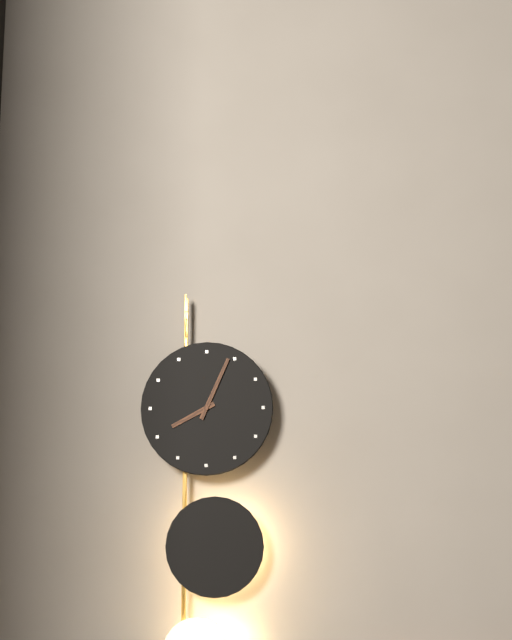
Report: {"hour": 8, "minute": 4}
